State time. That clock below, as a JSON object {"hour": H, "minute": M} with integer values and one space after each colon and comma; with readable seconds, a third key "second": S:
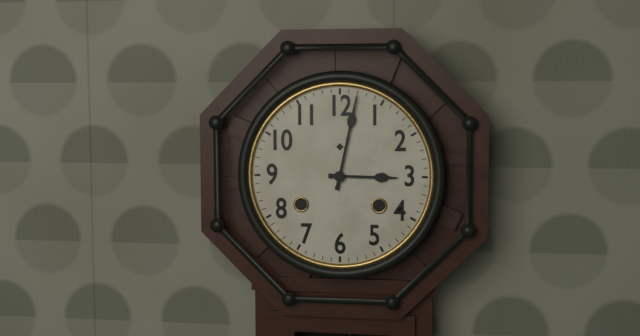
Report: {"hour": 3, "minute": 2}
